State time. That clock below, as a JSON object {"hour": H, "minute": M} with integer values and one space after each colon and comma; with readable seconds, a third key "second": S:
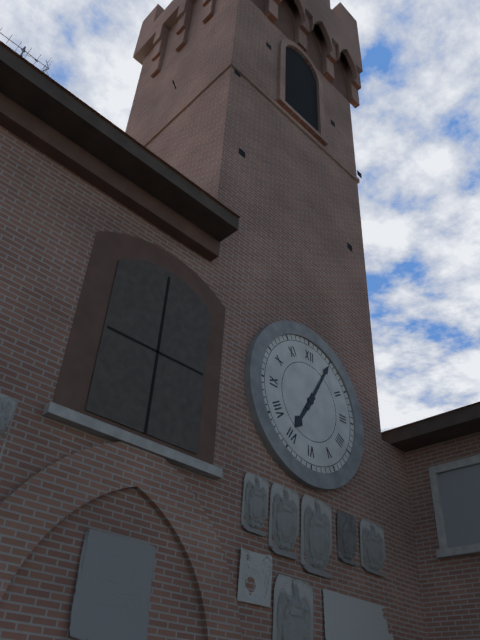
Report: {"hour": 7, "minute": 5}
